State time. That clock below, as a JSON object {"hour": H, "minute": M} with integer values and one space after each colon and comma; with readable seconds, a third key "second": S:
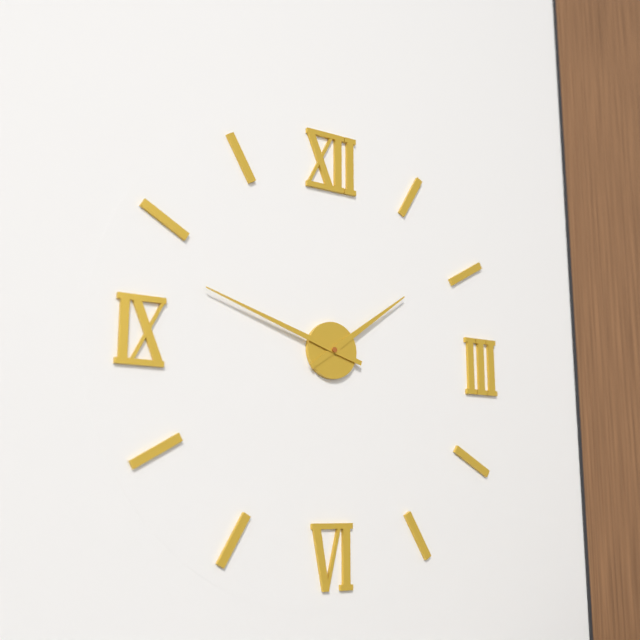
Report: {"hour": 1, "minute": 48}
